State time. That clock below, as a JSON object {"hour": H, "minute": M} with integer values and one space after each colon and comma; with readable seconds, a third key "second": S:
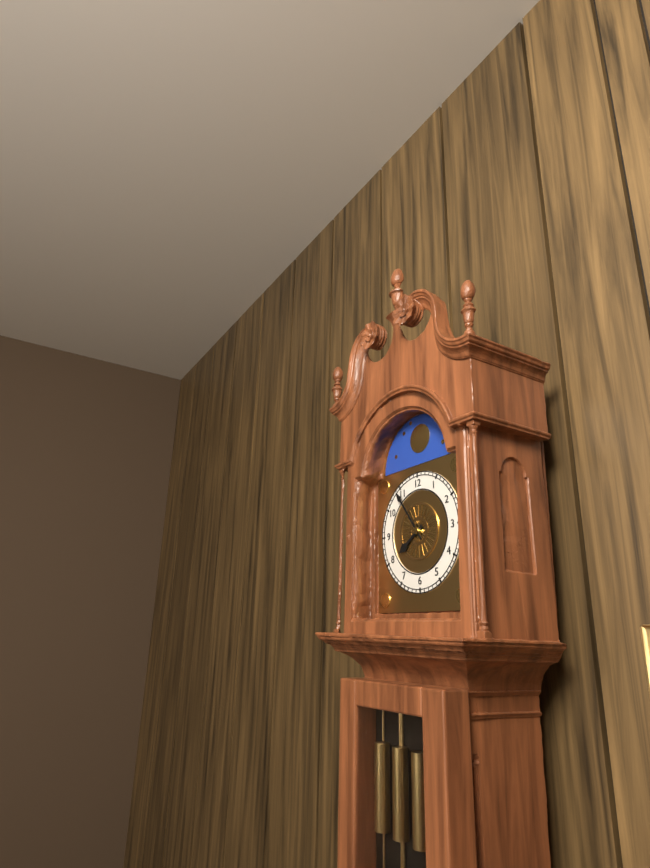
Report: {"hour": 7, "minute": 54}
